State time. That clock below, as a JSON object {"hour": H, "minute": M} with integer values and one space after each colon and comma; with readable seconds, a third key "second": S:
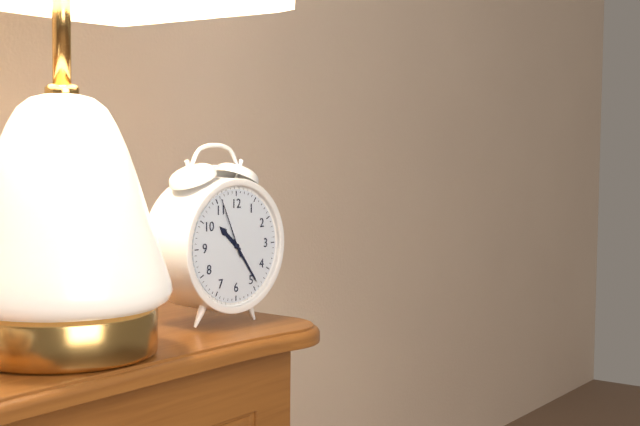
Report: {"hour": 10, "minute": 24, "second": 56}
